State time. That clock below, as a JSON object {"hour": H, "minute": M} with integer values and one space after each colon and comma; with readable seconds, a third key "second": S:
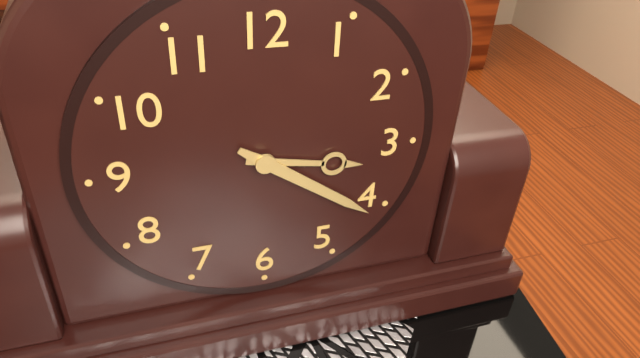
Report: {"hour": 3, "minute": 21}
